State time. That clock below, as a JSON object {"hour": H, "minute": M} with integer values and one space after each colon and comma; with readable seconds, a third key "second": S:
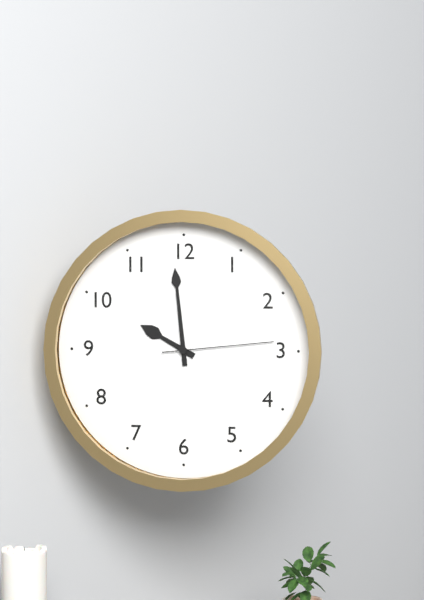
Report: {"hour": 9, "minute": 59, "second": 14}
